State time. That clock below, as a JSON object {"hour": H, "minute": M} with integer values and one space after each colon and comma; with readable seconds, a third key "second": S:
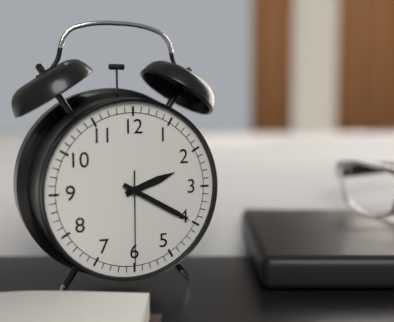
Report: {"hour": 2, "minute": 20, "second": 30}
